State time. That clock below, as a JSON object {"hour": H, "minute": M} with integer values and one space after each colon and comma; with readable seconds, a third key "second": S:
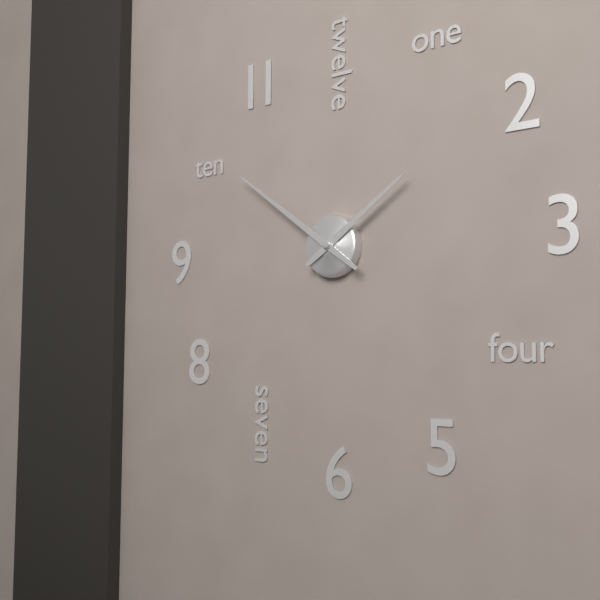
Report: {"hour": 1, "minute": 51}
